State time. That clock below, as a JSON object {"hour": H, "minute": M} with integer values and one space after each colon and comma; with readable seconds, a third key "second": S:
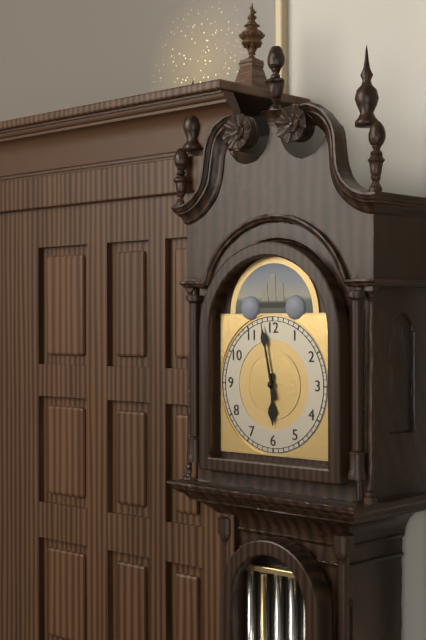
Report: {"hour": 5, "minute": 58}
